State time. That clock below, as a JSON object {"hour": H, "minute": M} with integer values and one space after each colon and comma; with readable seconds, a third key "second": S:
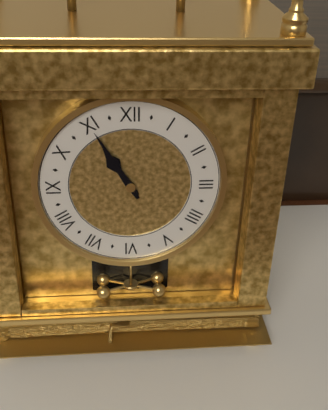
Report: {"hour": 10, "minute": 55}
